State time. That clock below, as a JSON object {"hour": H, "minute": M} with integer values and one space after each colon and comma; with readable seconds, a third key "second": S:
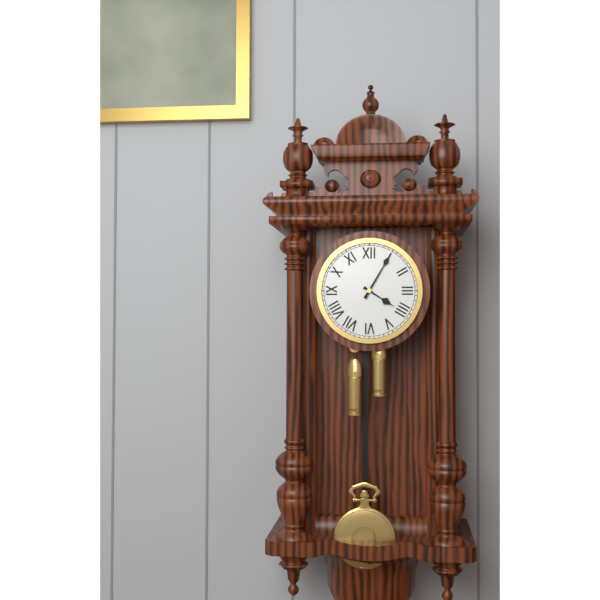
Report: {"hour": 4, "minute": 5}
